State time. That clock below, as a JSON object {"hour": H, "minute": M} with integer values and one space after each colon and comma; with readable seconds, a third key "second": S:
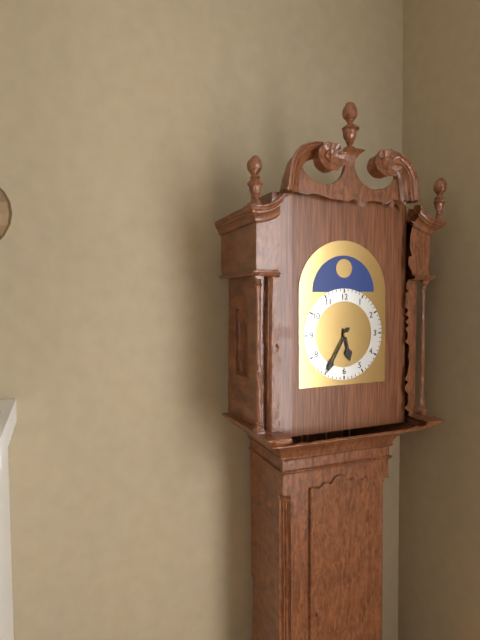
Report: {"hour": 5, "minute": 35}
